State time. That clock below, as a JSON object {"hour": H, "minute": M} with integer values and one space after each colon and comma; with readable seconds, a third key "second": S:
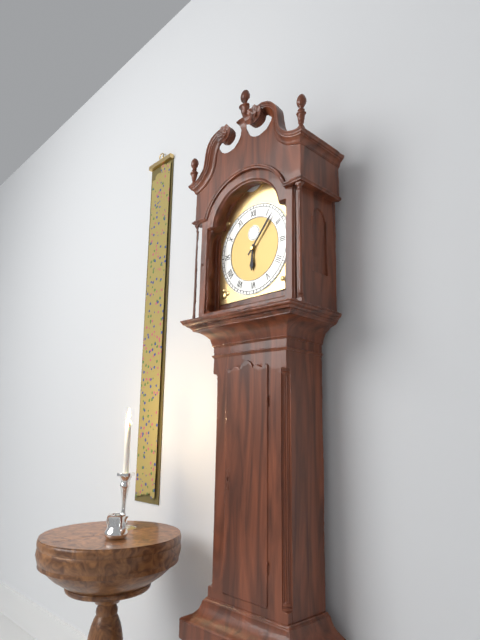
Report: {"hour": 6, "minute": 7}
